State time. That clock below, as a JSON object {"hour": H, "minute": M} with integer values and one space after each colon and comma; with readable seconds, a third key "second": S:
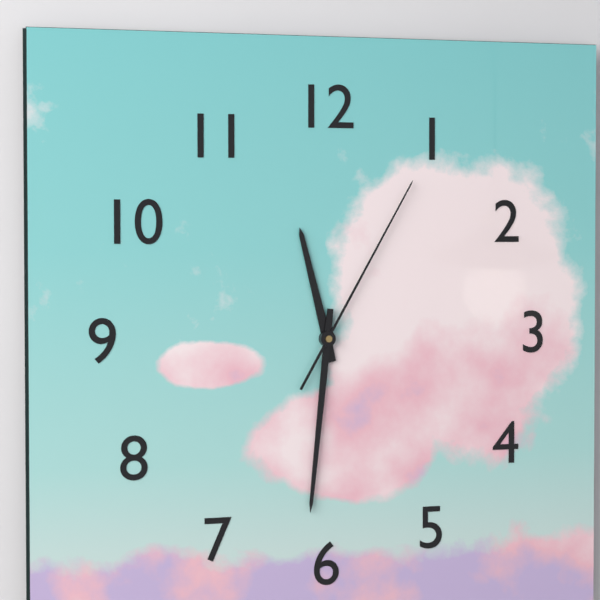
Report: {"hour": 11, "minute": 31, "second": 5}
